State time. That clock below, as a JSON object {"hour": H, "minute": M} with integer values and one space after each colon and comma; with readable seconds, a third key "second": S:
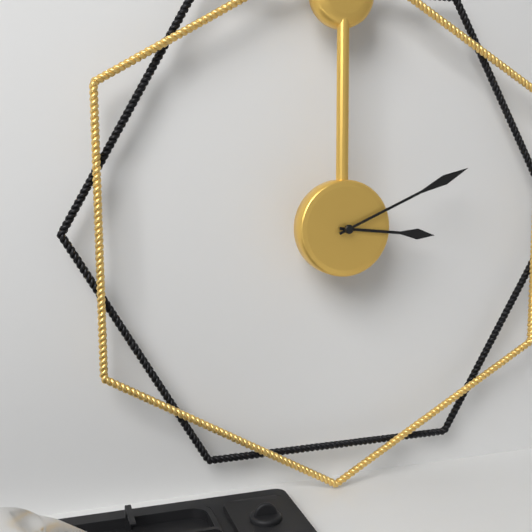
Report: {"hour": 3, "minute": 11}
